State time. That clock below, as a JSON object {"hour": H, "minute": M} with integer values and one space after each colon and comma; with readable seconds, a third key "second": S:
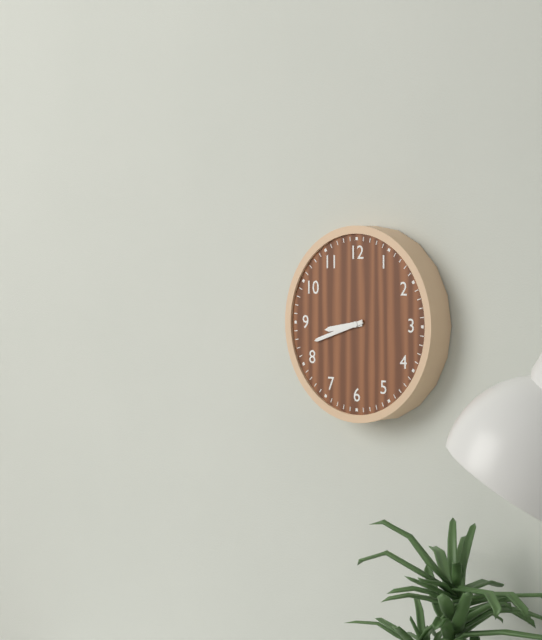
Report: {"hour": 8, "minute": 42}
